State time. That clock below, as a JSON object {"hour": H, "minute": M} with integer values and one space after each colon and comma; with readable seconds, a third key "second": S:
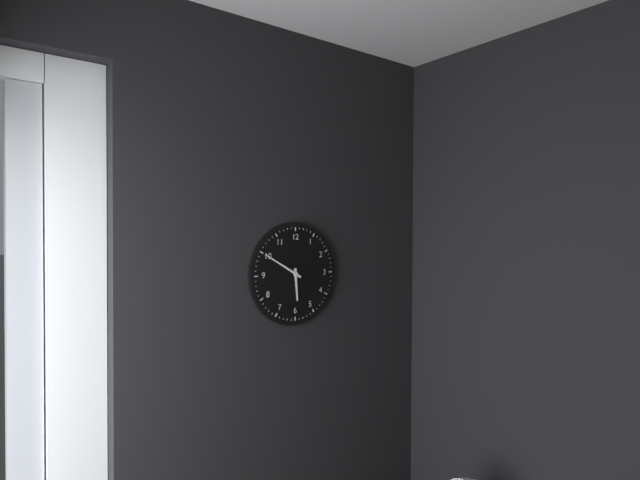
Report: {"hour": 5, "minute": 50}
